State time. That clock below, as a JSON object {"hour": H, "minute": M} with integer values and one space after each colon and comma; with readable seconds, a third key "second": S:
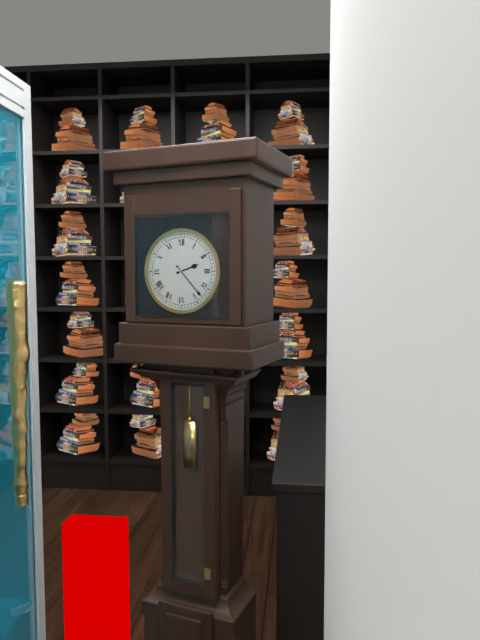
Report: {"hour": 2, "minute": 23}
